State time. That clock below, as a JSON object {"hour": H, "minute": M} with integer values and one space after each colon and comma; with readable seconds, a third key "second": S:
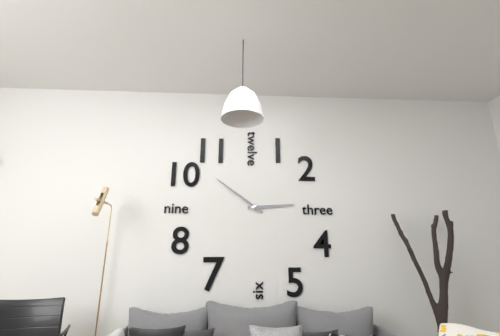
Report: {"hour": 2, "minute": 51}
